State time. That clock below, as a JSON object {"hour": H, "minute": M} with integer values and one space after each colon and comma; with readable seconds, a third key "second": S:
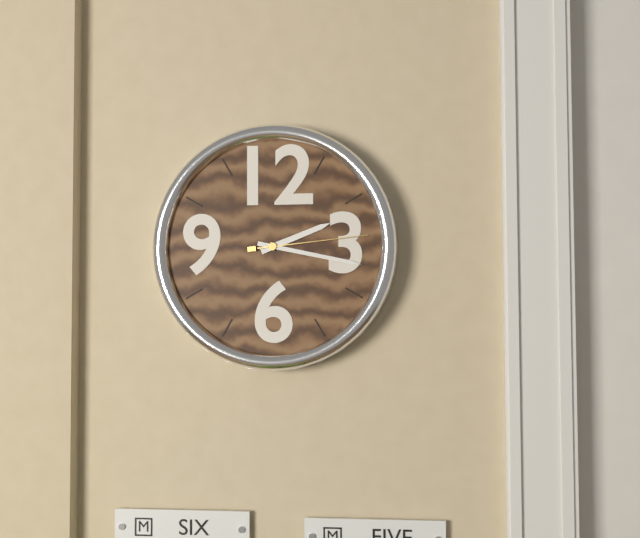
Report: {"hour": 2, "minute": 17, "second": 14}
